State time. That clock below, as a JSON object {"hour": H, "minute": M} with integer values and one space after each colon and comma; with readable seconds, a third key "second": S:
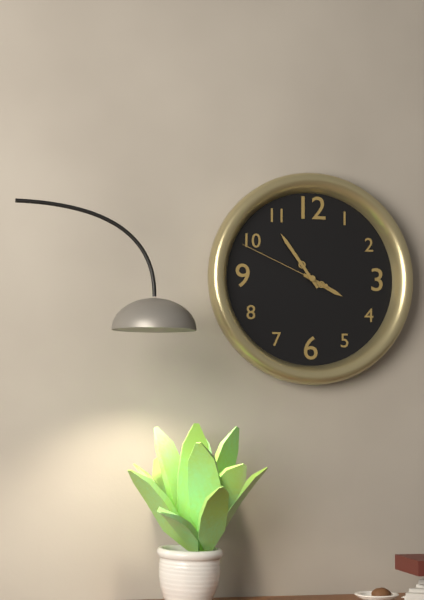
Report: {"hour": 3, "minute": 54, "second": 49}
